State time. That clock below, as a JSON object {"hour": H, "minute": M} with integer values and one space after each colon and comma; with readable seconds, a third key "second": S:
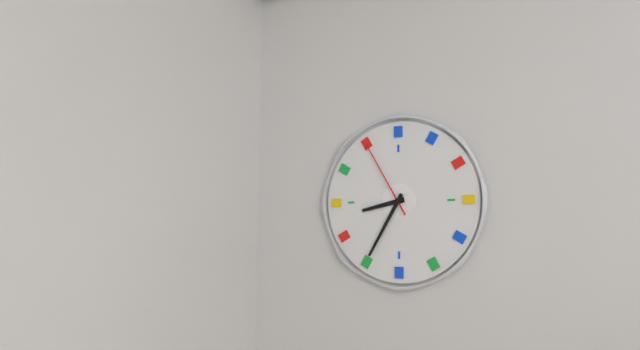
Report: {"hour": 8, "minute": 35, "second": 55}
